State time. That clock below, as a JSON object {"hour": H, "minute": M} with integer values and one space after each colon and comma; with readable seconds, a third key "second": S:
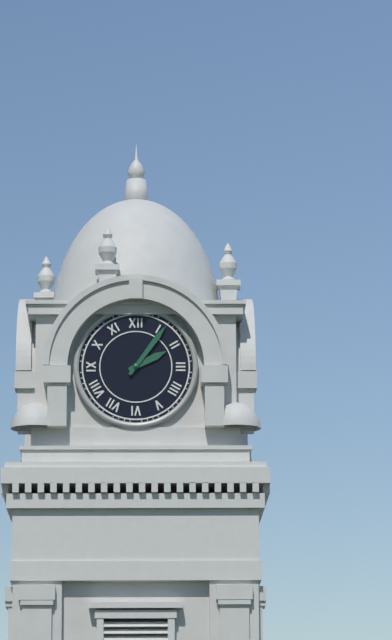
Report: {"hour": 2, "minute": 6}
